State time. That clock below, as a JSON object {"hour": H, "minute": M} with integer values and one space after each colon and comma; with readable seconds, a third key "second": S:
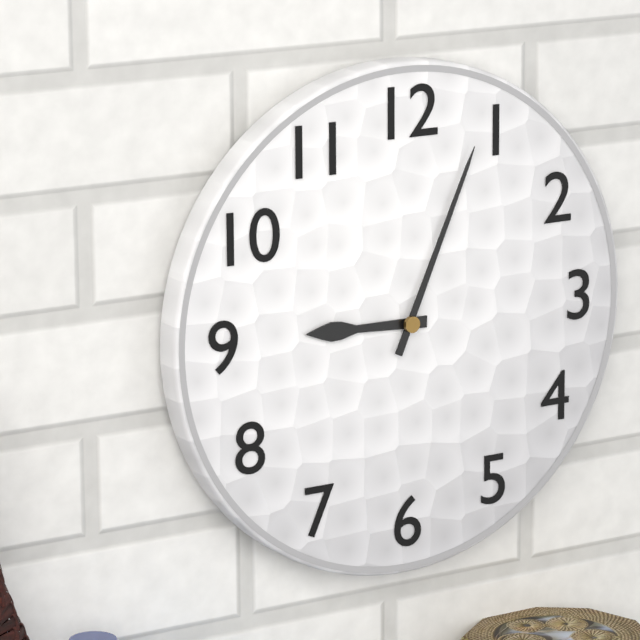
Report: {"hour": 9, "minute": 4}
